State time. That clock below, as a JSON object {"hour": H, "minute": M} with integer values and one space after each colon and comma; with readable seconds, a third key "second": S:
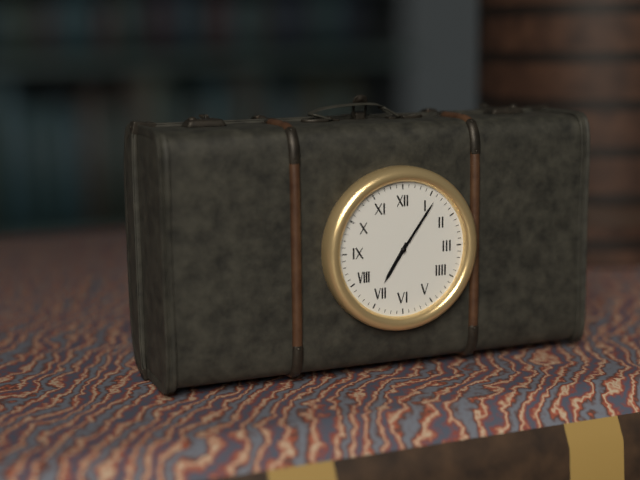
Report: {"hour": 7, "minute": 6}
